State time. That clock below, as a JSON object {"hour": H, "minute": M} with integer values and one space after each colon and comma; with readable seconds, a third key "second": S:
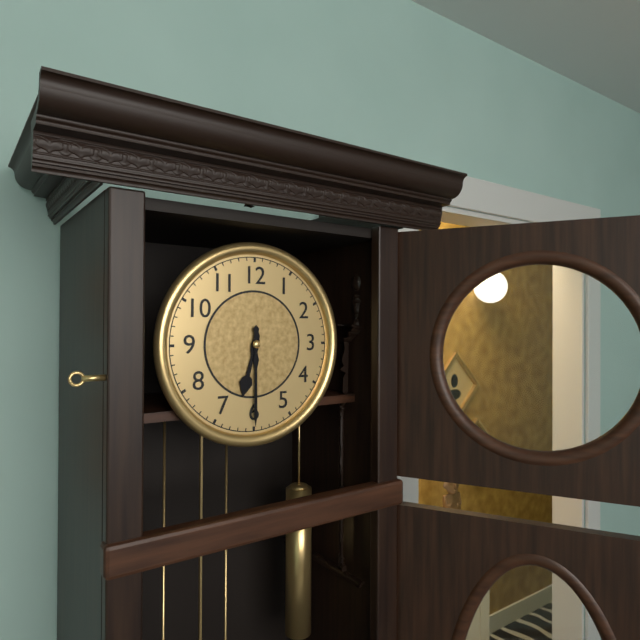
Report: {"hour": 6, "minute": 30}
